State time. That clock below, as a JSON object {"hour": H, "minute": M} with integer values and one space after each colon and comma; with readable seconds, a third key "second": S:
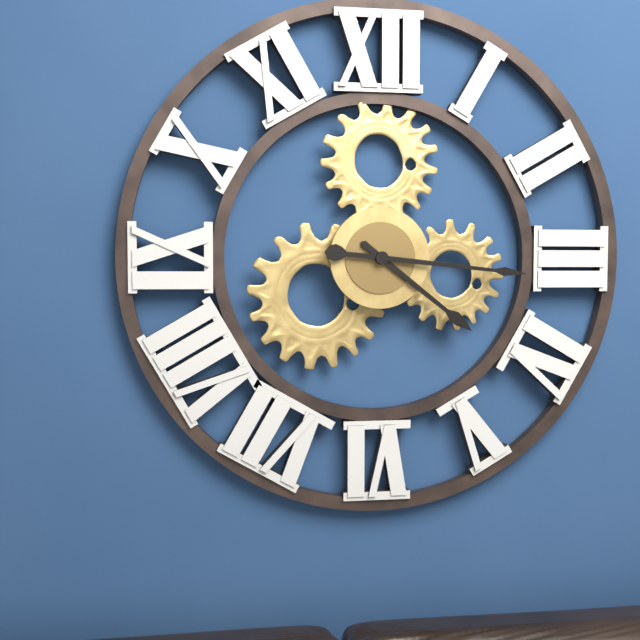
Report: {"hour": 4, "minute": 16}
